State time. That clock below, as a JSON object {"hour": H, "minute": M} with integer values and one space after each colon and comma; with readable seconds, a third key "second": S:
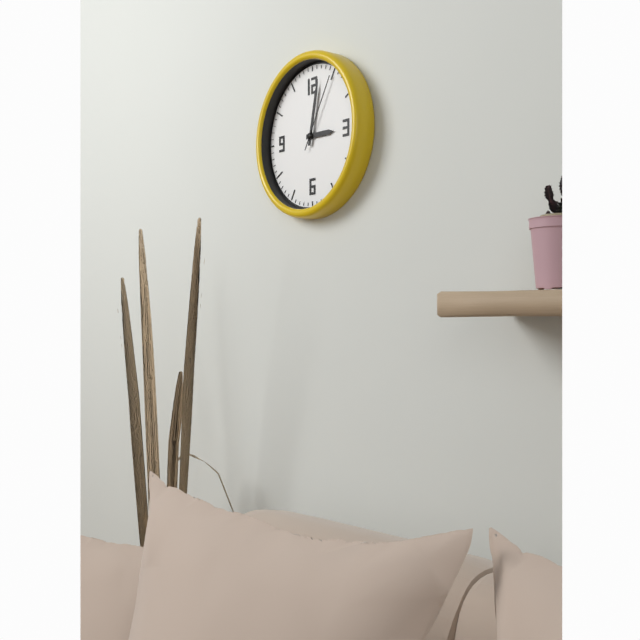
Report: {"hour": 3, "minute": 2, "second": 5}
